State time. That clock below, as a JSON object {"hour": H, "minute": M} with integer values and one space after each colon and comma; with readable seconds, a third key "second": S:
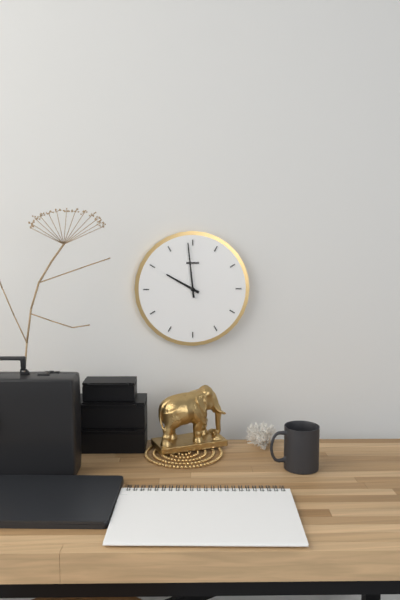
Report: {"hour": 9, "minute": 59}
